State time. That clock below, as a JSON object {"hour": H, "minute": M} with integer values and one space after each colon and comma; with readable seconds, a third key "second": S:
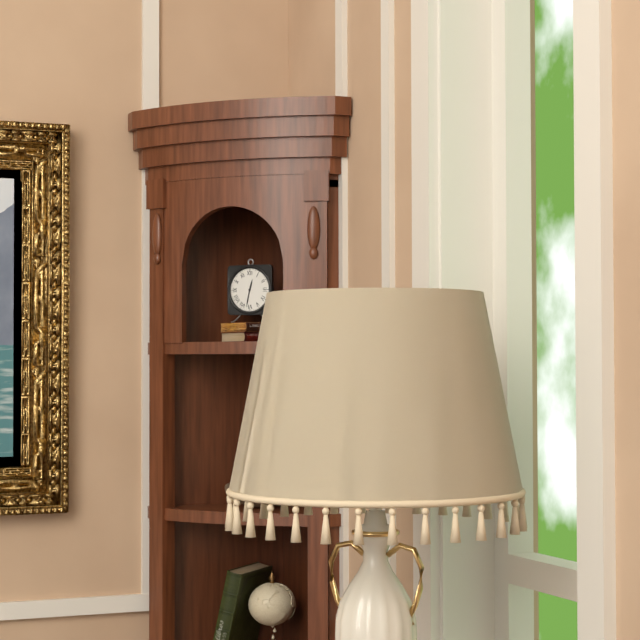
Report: {"hour": 12, "minute": 32}
